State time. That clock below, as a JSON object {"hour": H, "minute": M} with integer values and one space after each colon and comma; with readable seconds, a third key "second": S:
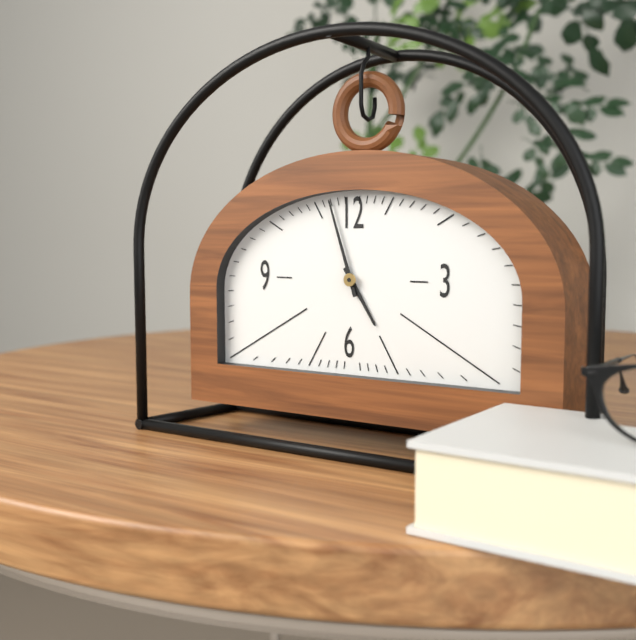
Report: {"hour": 4, "minute": 57}
